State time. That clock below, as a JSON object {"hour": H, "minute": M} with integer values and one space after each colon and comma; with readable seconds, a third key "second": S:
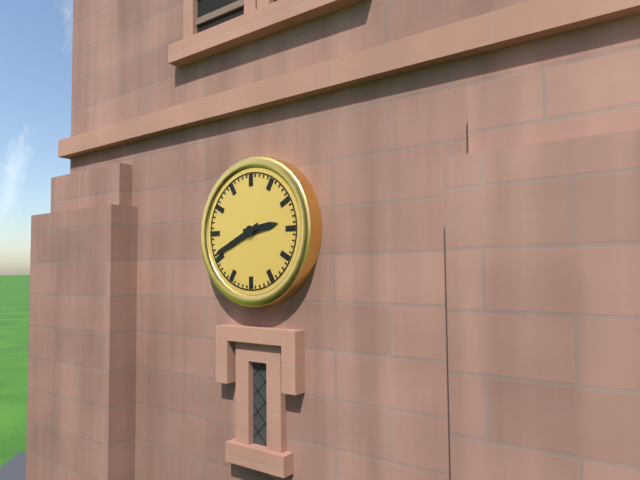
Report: {"hour": 2, "minute": 41}
